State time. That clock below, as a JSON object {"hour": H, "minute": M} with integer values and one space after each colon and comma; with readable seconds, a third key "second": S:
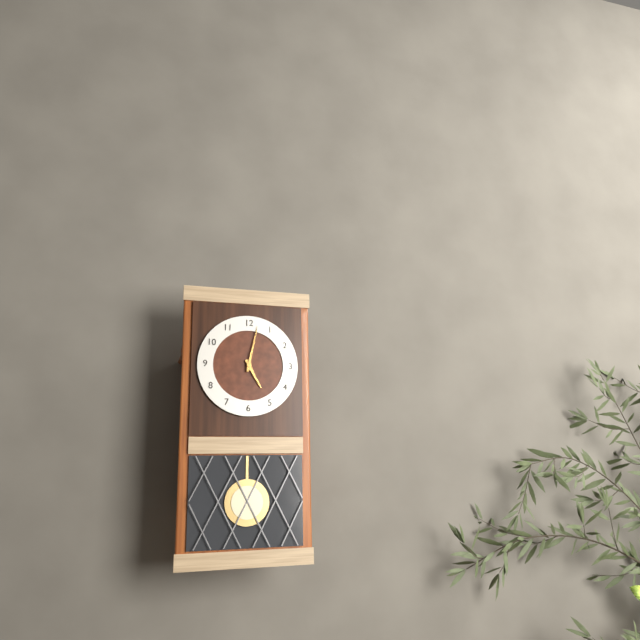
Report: {"hour": 5, "minute": 2}
